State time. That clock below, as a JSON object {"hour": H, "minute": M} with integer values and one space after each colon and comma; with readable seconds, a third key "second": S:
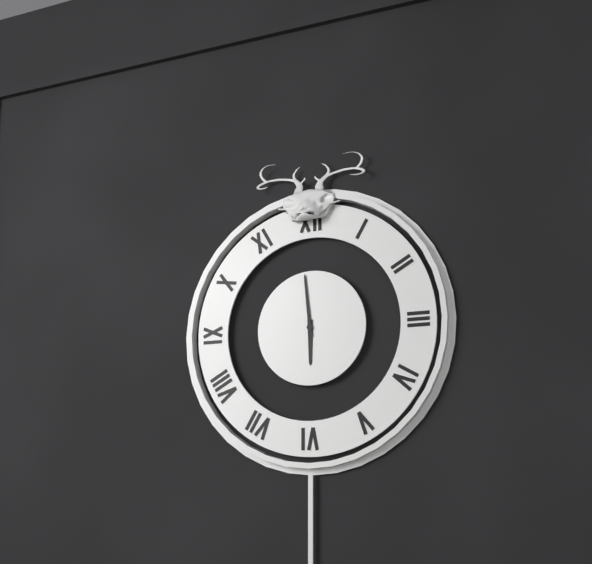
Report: {"hour": 5, "minute": 59}
